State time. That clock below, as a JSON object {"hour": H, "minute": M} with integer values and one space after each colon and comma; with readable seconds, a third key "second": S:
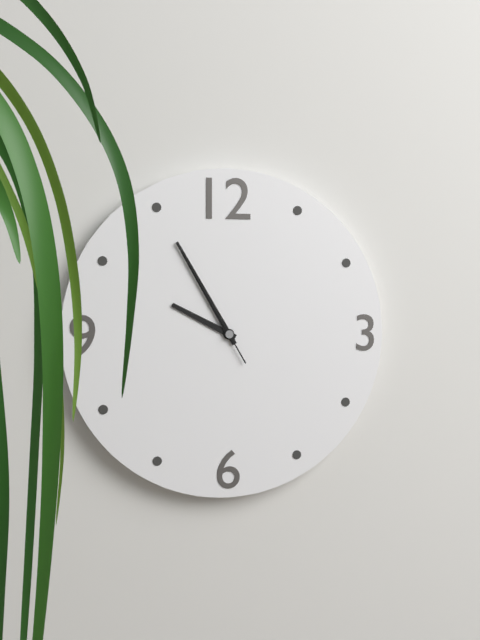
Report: {"hour": 9, "minute": 55, "second": 55}
